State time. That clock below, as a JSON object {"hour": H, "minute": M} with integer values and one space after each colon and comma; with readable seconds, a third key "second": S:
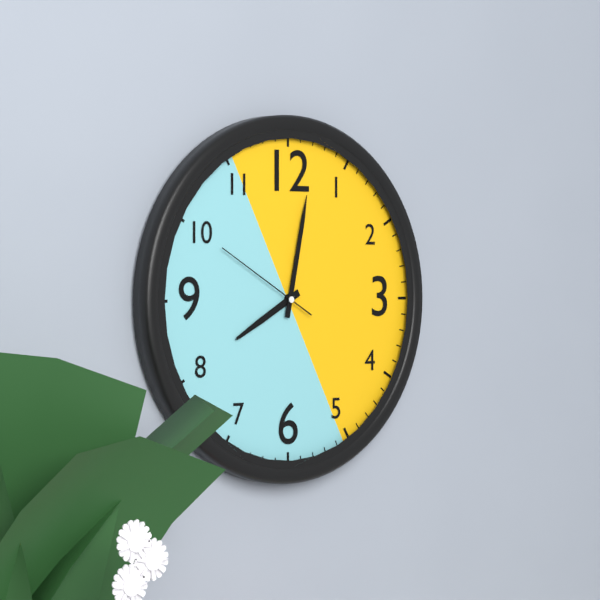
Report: {"hour": 8, "minute": 2, "second": 50}
